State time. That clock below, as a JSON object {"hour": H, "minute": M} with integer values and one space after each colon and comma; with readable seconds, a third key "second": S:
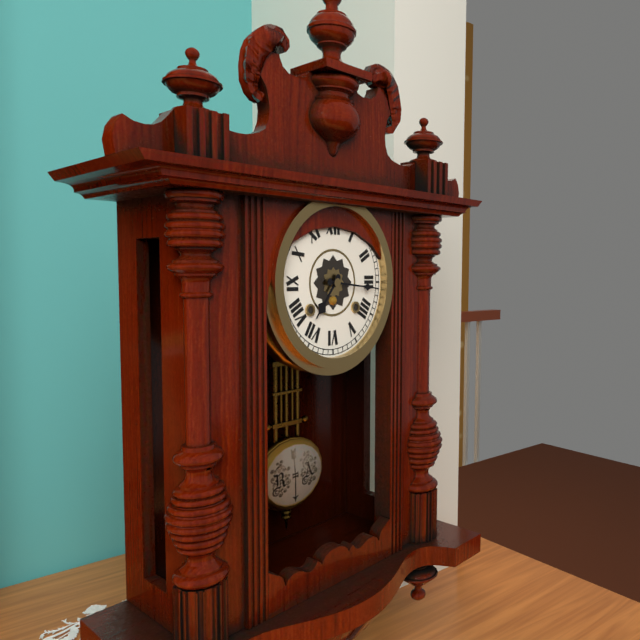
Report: {"hour": 7, "minute": 16}
